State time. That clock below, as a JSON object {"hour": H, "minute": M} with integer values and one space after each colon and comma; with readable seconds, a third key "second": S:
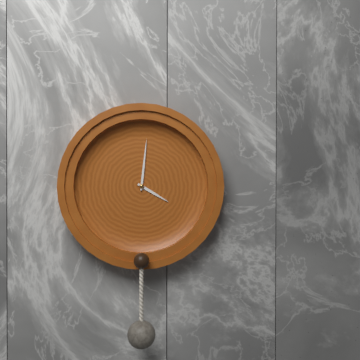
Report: {"hour": 4, "minute": 1}
